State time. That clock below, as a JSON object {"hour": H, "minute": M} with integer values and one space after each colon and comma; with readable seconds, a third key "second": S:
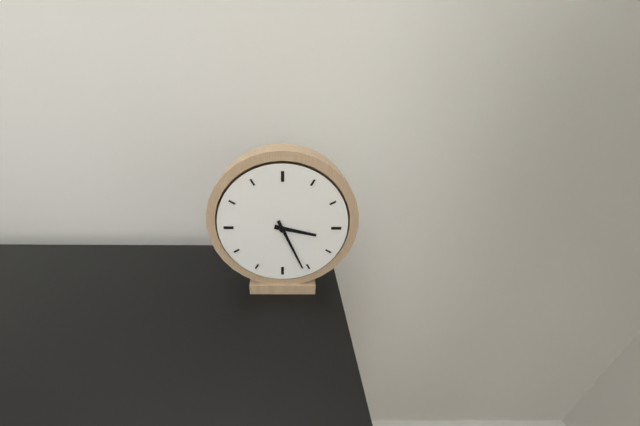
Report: {"hour": 3, "minute": 26}
